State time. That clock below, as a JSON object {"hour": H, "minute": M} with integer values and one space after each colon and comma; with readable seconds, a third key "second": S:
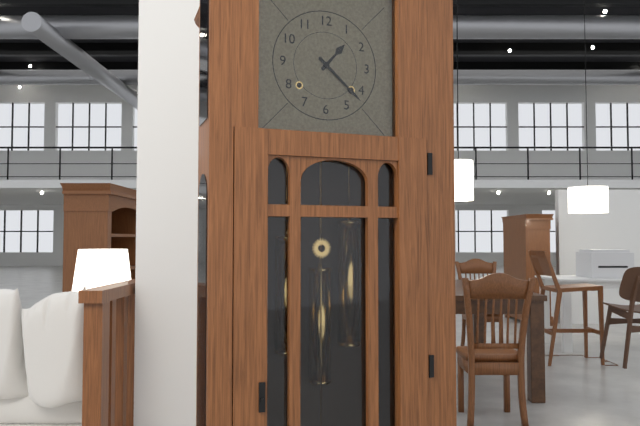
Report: {"hour": 1, "minute": 22}
